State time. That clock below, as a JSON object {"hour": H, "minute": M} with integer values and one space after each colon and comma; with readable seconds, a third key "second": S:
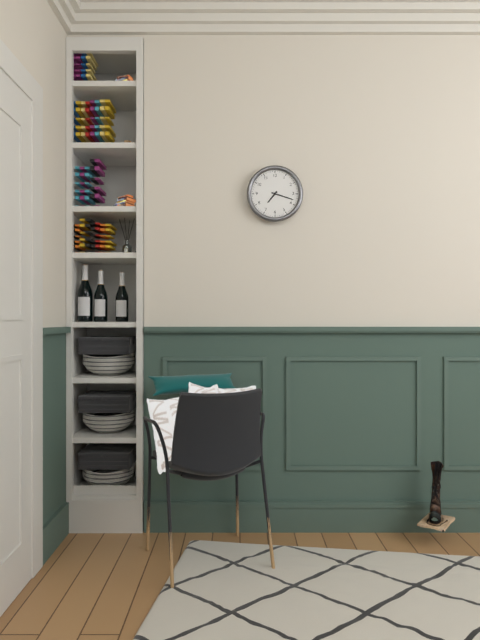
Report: {"hour": 7, "minute": 18}
